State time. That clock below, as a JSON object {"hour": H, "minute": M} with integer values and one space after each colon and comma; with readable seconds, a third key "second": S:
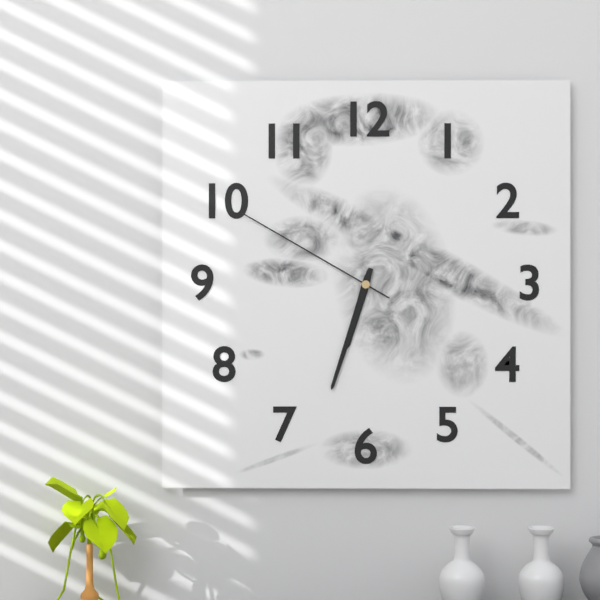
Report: {"hour": 6, "minute": 33, "second": 50}
